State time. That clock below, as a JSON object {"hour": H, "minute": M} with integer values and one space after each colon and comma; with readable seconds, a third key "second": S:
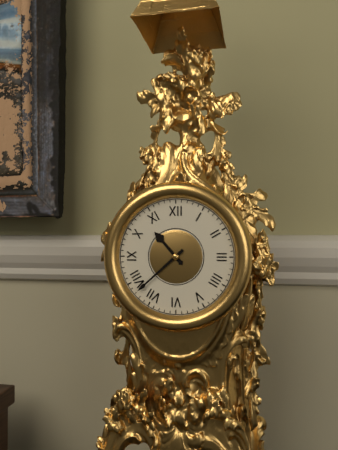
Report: {"hour": 10, "minute": 38}
